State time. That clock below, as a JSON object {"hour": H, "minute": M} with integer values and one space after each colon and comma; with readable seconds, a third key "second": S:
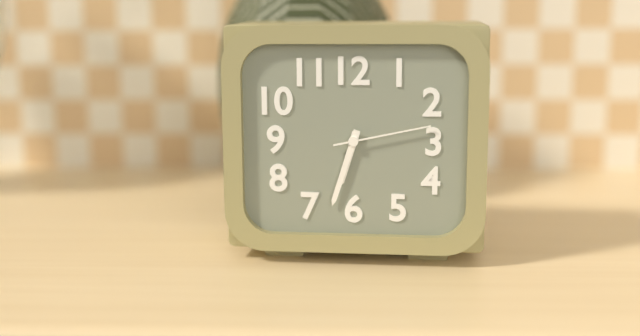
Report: {"hour": 6, "minute": 33, "second": 13}
